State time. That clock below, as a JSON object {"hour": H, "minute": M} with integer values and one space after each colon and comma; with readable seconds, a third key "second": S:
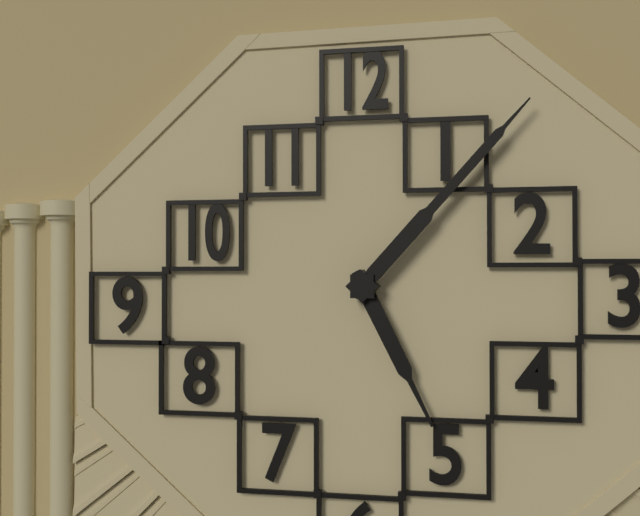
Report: {"hour": 5, "minute": 7}
